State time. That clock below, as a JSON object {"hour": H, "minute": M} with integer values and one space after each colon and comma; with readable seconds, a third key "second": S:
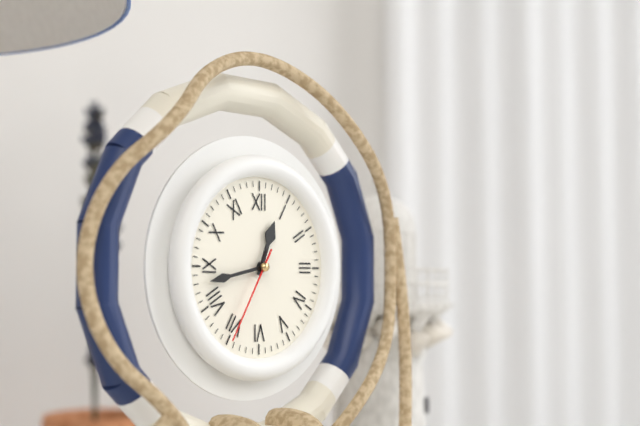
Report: {"hour": 12, "minute": 43, "second": 35}
